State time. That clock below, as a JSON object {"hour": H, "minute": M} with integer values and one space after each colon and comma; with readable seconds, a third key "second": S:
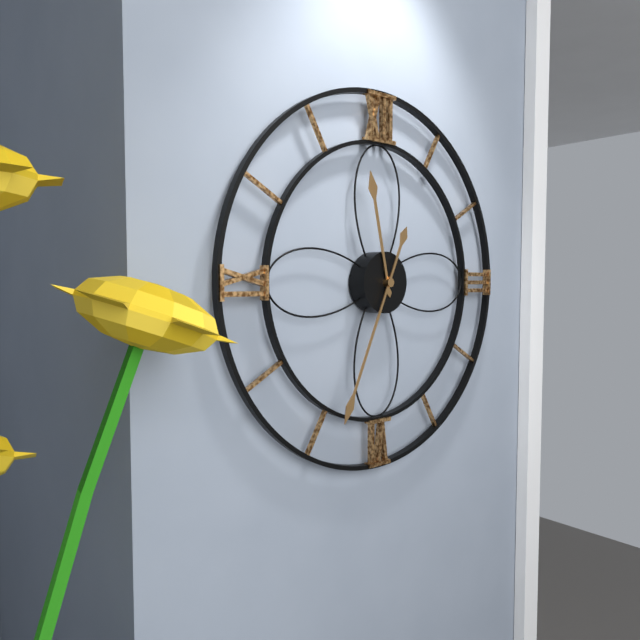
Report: {"hour": 11, "minute": 34}
